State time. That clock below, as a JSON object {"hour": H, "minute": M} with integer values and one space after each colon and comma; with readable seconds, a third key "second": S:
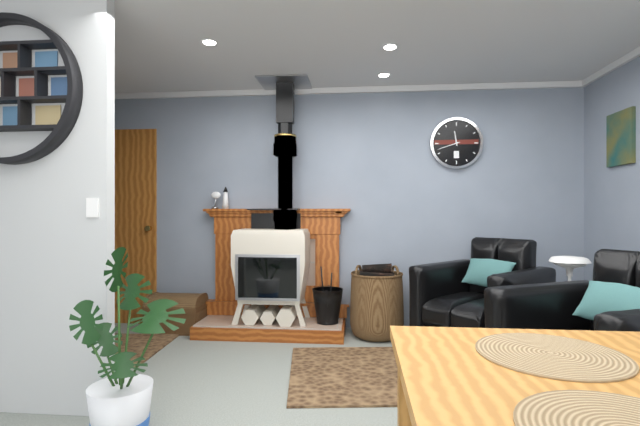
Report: {"hour": 11, "minute": 42}
